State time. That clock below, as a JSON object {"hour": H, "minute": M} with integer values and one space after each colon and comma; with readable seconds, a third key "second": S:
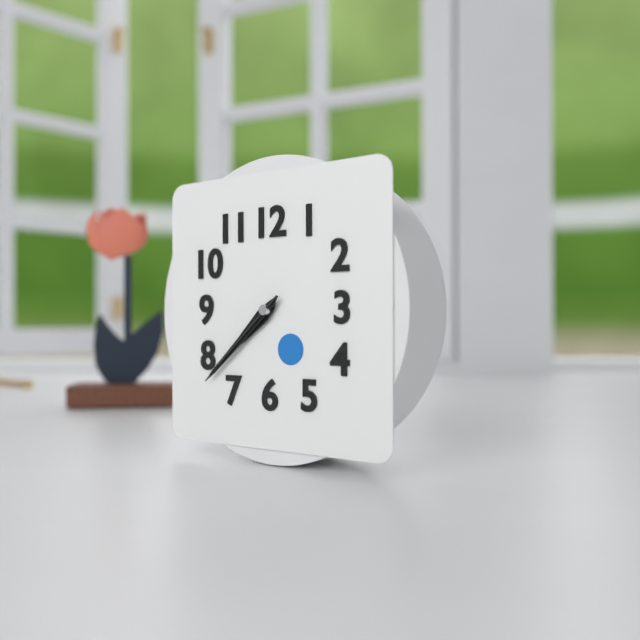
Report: {"hour": 7, "minute": 38, "second": 38}
